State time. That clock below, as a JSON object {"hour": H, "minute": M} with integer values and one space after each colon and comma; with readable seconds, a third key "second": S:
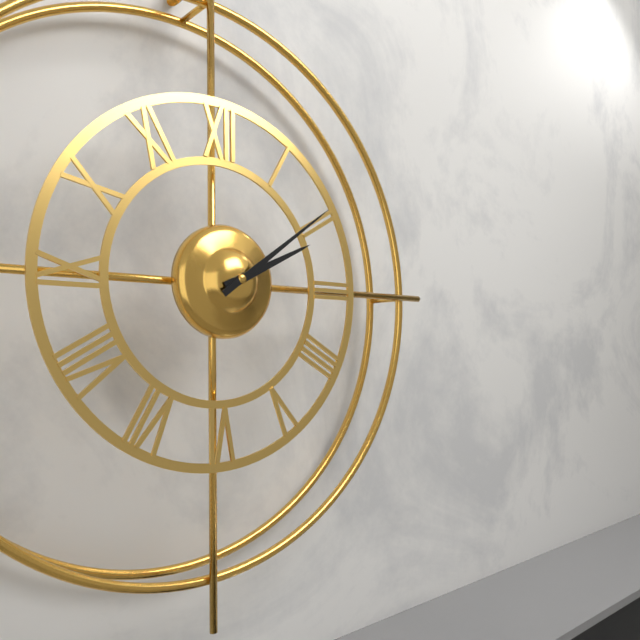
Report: {"hour": 2, "minute": 9}
